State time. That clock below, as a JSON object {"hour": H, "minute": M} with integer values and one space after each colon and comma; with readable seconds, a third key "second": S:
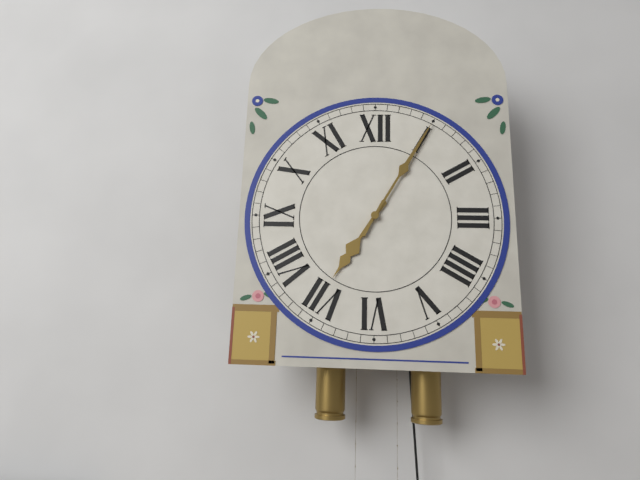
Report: {"hour": 7, "minute": 5}
